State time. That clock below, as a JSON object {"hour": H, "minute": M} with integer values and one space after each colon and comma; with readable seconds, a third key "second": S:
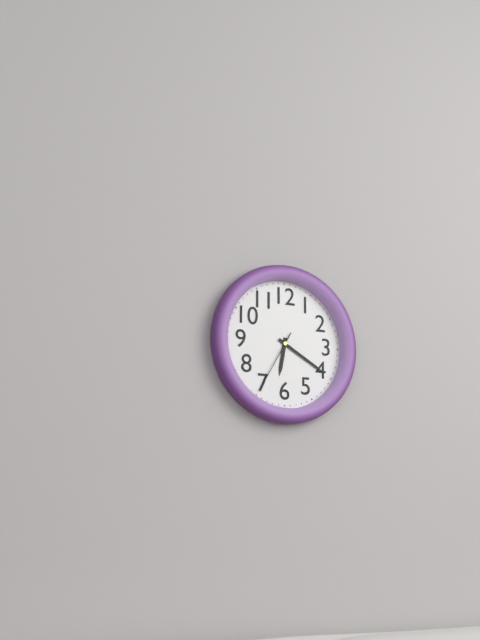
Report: {"hour": 6, "minute": 20, "second": 35}
